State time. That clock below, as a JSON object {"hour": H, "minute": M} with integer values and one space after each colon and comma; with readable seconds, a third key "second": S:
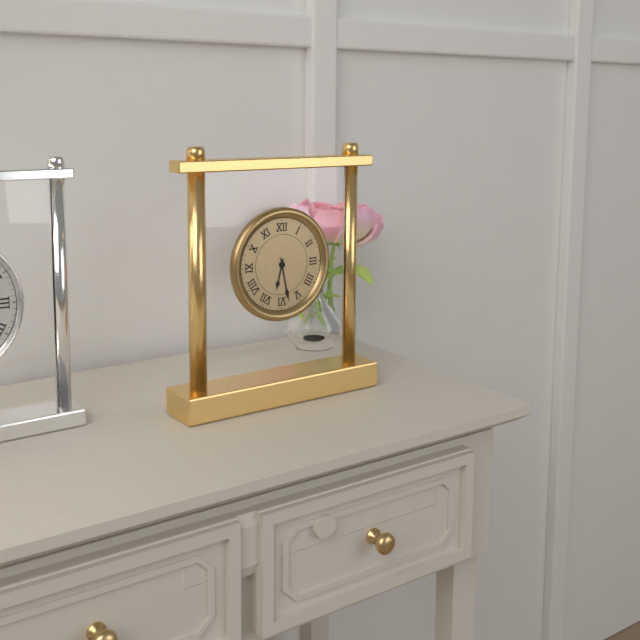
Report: {"hour": 6, "minute": 28}
